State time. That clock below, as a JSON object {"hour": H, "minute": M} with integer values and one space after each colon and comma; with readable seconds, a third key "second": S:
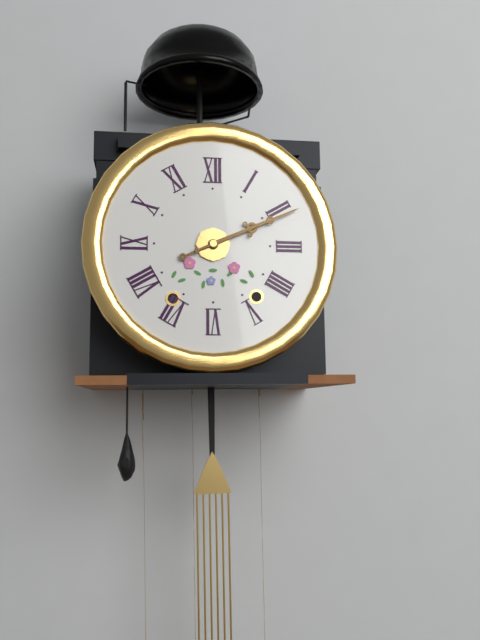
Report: {"hour": 2, "minute": 11}
